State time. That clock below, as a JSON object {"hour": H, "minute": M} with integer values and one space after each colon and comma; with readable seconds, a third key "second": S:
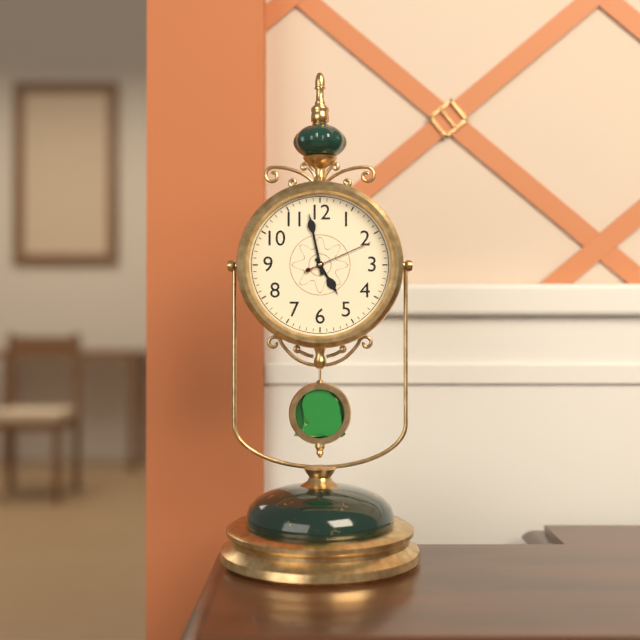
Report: {"hour": 4, "minute": 58, "second": 11}
